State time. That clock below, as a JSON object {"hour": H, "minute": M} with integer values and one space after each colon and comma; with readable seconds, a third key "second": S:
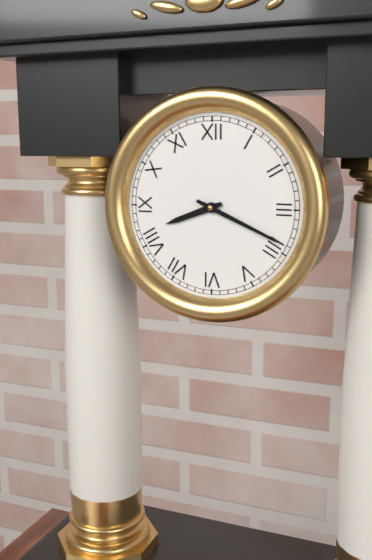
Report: {"hour": 8, "minute": 19}
